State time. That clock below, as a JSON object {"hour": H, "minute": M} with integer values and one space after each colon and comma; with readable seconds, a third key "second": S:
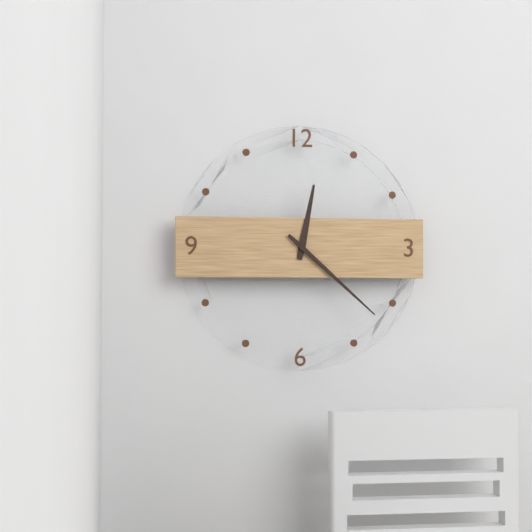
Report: {"hour": 12, "minute": 22}
